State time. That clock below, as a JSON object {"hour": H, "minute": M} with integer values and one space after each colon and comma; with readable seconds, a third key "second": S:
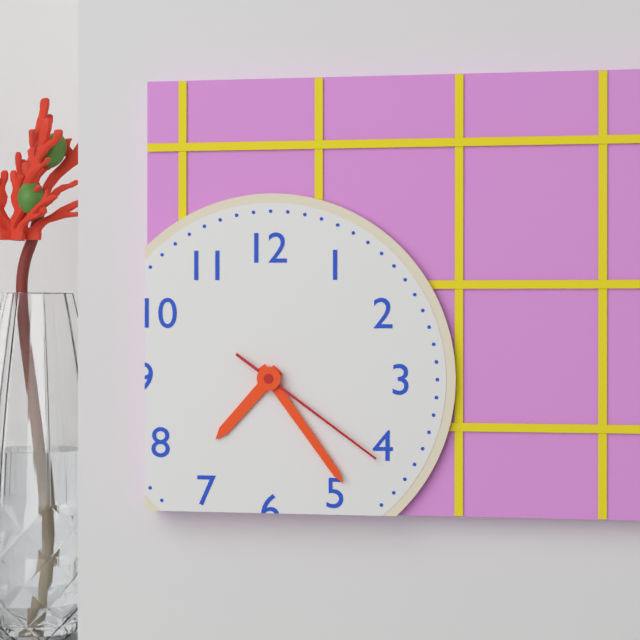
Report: {"hour": 7, "minute": 24, "second": 21}
